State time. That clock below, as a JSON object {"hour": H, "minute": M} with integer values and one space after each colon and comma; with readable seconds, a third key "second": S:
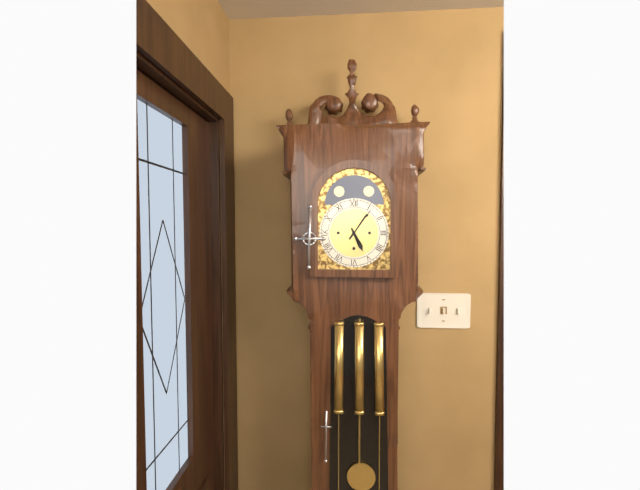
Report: {"hour": 5, "minute": 6}
